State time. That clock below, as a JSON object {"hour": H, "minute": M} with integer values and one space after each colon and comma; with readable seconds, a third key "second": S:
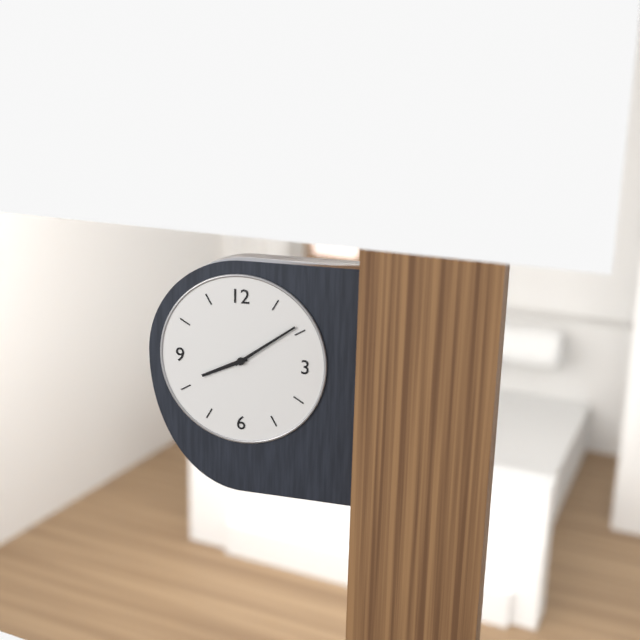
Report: {"hour": 8, "minute": 9}
